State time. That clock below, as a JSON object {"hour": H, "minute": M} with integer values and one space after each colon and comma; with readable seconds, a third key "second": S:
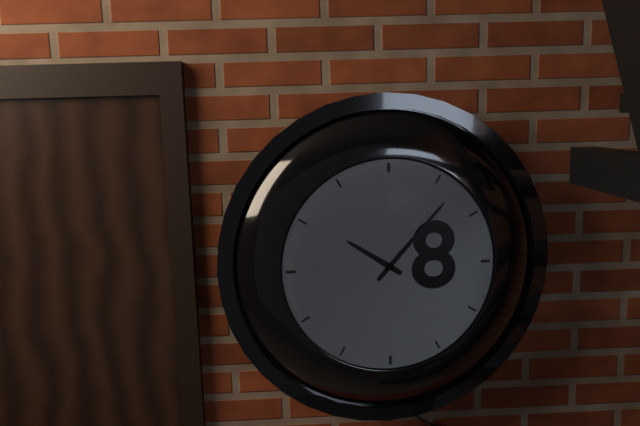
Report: {"hour": 10, "minute": 7}
